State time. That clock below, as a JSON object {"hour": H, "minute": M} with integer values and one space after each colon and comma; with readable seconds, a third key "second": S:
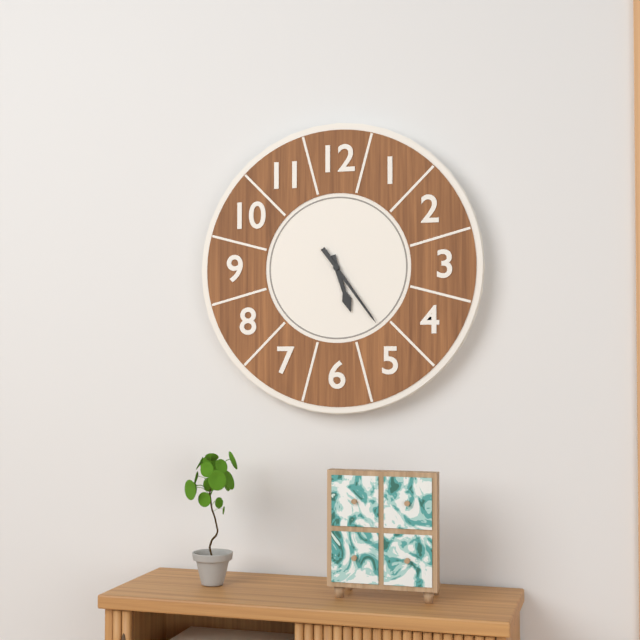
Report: {"hour": 5, "minute": 24}
